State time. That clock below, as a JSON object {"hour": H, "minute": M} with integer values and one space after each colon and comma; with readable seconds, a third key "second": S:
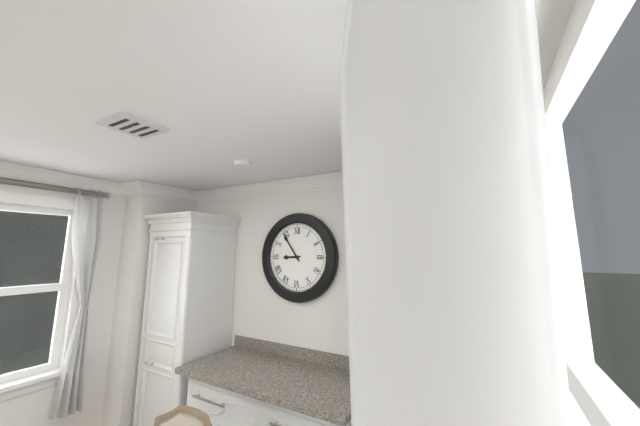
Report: {"hour": 8, "minute": 54}
